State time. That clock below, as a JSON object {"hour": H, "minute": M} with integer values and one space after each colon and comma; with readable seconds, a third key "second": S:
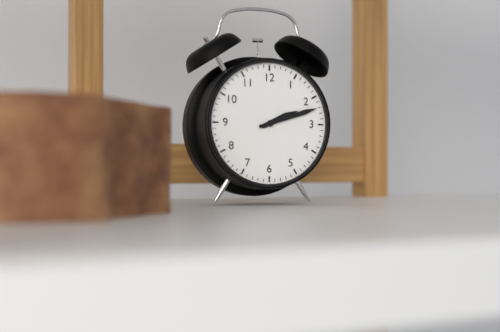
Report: {"hour": 2, "minute": 12}
